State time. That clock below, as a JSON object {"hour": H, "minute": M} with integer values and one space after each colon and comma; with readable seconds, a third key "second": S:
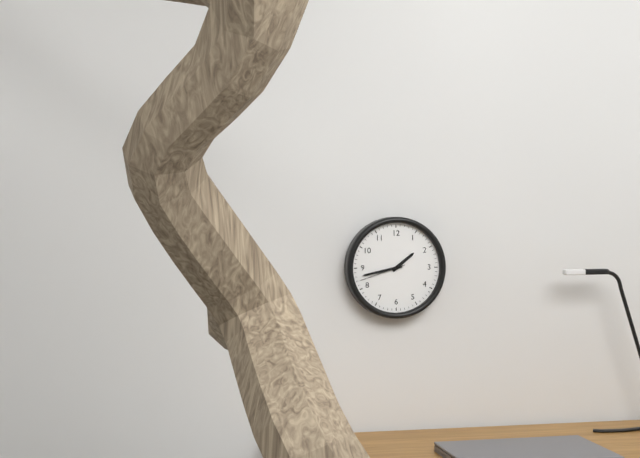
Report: {"hour": 1, "minute": 43}
